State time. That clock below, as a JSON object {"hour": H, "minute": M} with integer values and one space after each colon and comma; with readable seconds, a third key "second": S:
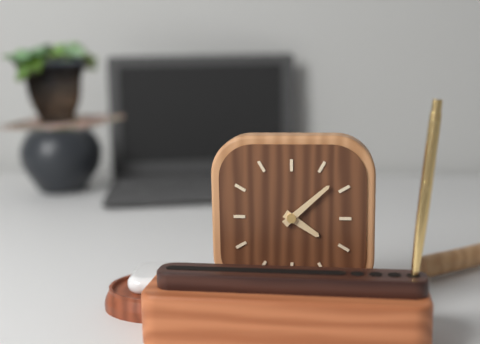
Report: {"hour": 4, "minute": 8}
